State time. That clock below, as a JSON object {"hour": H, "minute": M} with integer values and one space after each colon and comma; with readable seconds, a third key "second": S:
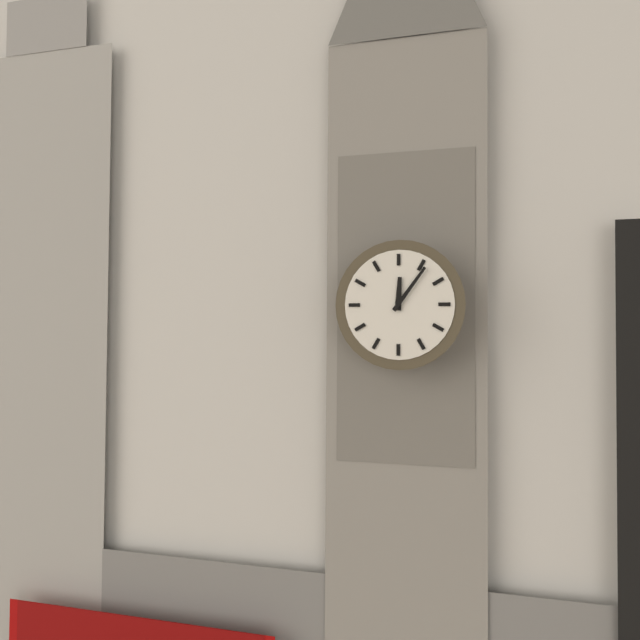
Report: {"hour": 12, "minute": 6}
